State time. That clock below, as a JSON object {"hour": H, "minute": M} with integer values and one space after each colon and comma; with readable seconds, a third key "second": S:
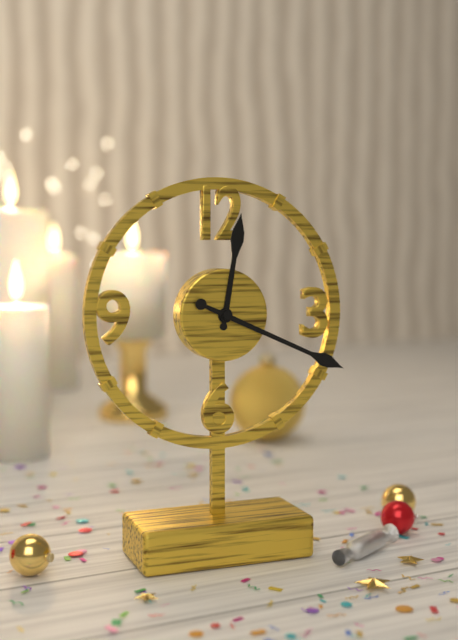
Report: {"hour": 12, "minute": 19}
